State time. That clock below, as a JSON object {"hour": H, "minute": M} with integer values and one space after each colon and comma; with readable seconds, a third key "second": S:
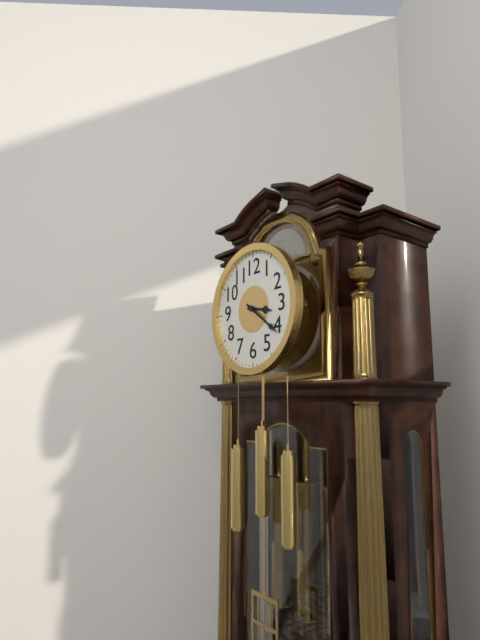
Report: {"hour": 3, "minute": 21}
